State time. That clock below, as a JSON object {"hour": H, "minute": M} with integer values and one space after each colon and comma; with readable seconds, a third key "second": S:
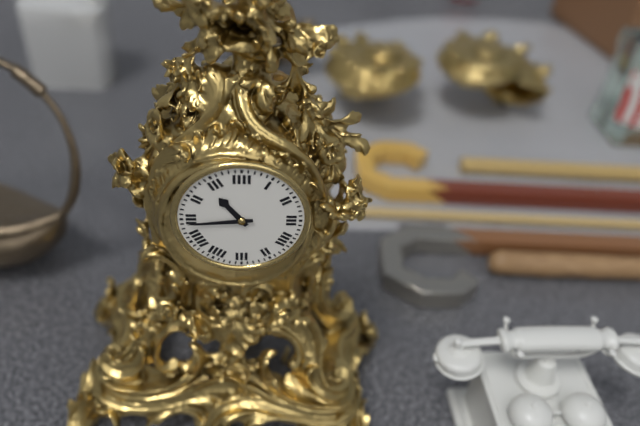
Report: {"hour": 10, "minute": 44}
